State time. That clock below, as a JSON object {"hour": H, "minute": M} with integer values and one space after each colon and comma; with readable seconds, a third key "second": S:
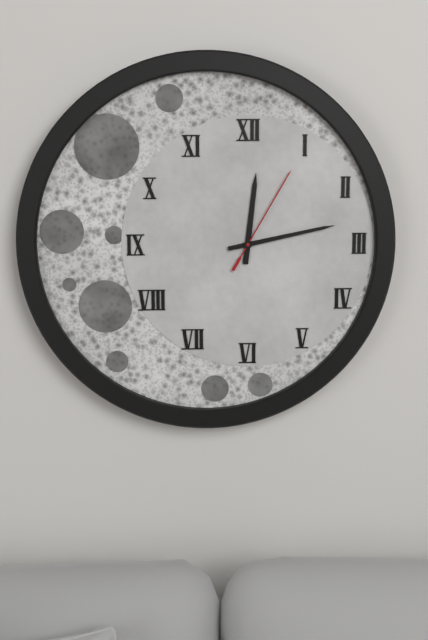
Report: {"hour": 12, "minute": 13, "second": 5}
